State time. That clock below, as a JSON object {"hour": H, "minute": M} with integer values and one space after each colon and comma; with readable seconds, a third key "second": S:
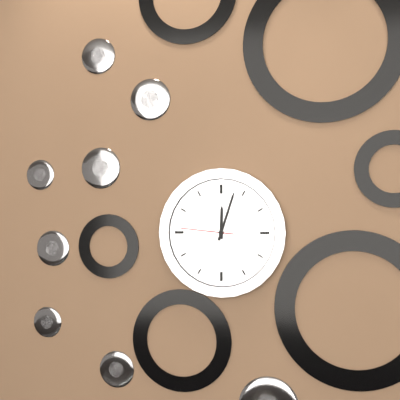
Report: {"hour": 12, "minute": 3, "second": 46}
